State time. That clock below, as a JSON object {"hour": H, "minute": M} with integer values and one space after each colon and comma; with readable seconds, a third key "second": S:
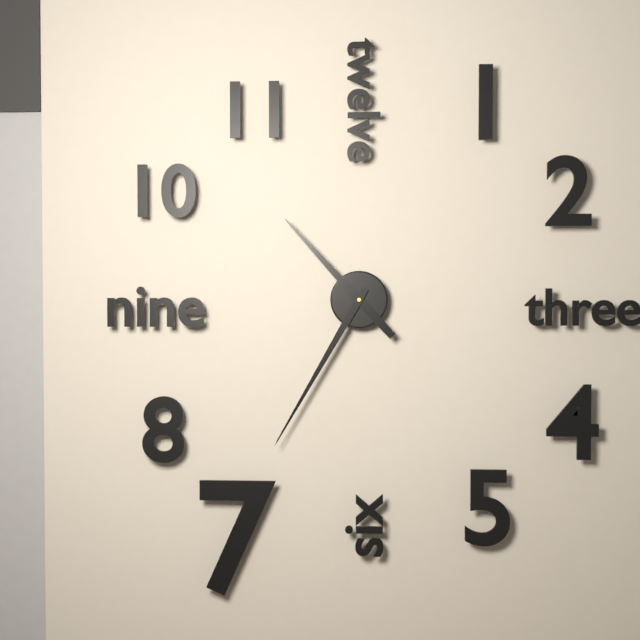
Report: {"hour": 10, "minute": 35}
